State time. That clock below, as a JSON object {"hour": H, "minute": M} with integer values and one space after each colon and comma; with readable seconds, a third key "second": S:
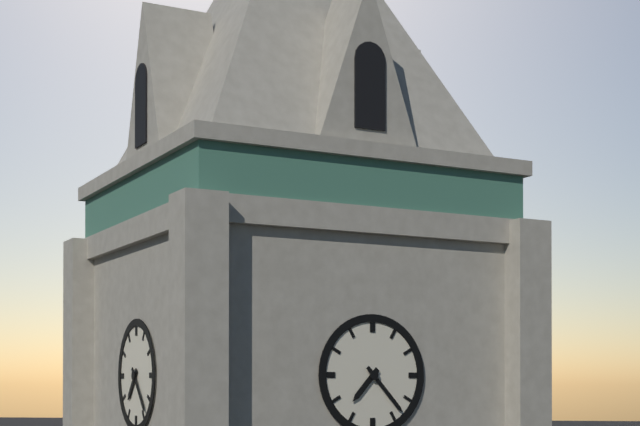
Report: {"hour": 7, "minute": 23}
